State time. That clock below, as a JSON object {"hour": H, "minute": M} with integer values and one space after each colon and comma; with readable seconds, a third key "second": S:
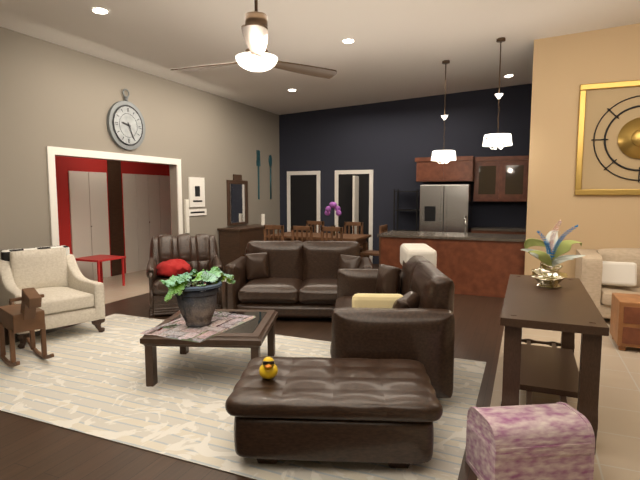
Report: {"hour": 9, "minute": 26}
